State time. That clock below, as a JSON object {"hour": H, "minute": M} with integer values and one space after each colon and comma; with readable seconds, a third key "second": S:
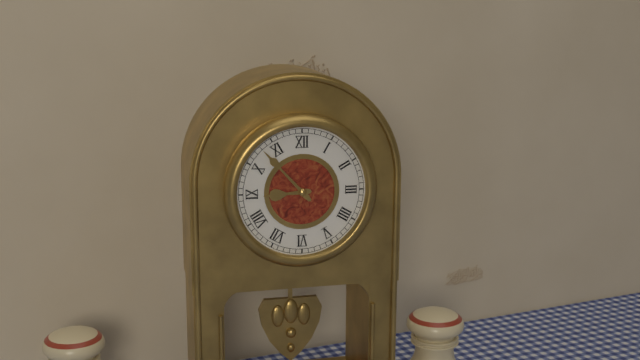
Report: {"hour": 8, "minute": 53}
